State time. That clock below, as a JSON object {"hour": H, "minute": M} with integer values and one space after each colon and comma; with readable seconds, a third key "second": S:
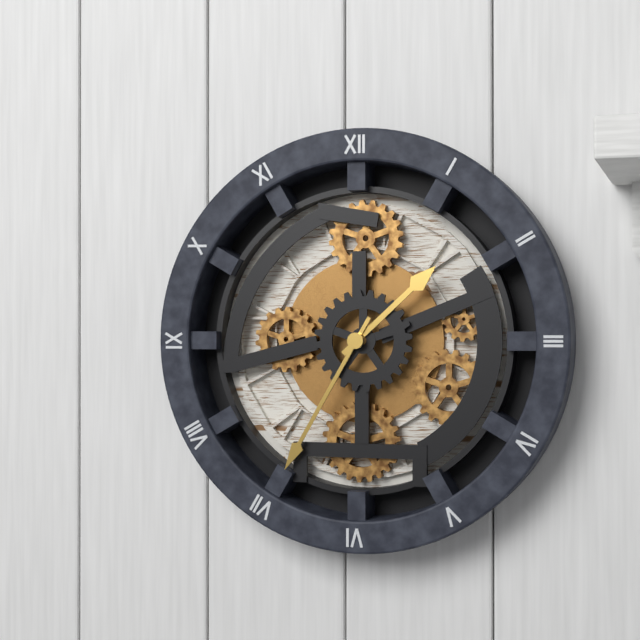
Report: {"hour": 1, "minute": 35}
